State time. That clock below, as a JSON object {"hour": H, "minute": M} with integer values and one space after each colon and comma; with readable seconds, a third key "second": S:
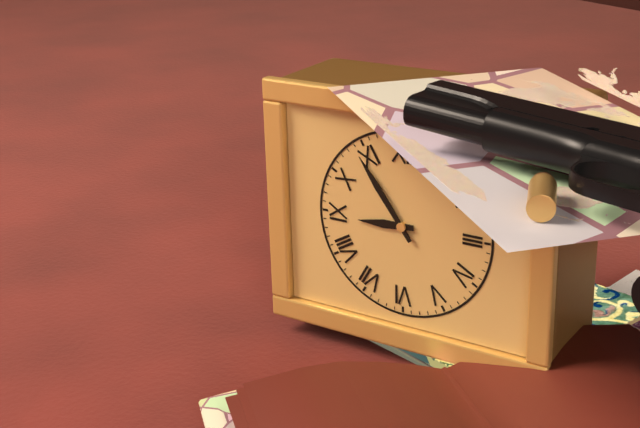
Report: {"hour": 8, "minute": 54}
